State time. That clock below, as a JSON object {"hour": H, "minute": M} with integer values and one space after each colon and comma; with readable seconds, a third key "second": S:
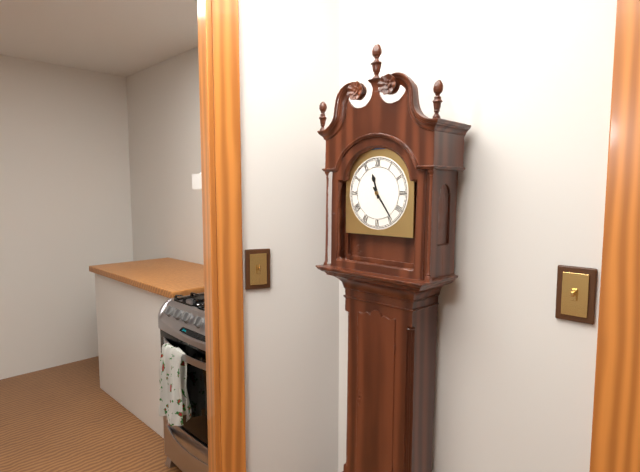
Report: {"hour": 11, "minute": 24}
